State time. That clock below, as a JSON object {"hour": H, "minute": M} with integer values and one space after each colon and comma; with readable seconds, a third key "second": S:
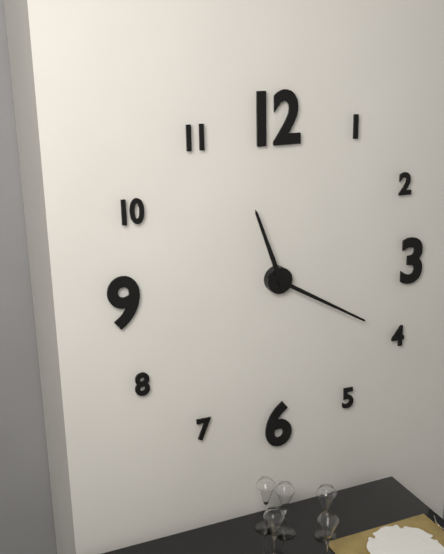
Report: {"hour": 11, "minute": 20}
